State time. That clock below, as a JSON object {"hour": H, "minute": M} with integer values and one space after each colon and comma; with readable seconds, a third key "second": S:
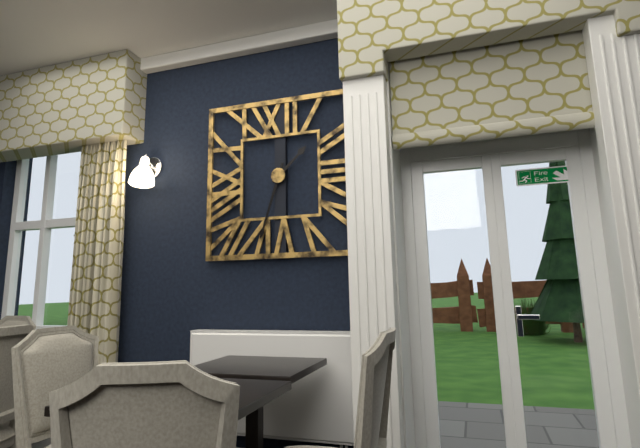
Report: {"hour": 1, "minute": 33}
